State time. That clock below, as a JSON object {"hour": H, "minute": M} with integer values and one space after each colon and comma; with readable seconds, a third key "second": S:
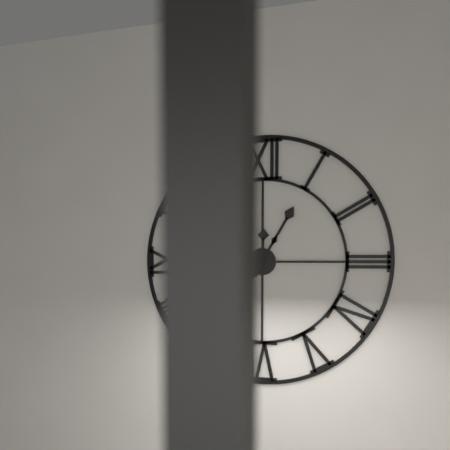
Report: {"hour": 12, "minute": 5}
